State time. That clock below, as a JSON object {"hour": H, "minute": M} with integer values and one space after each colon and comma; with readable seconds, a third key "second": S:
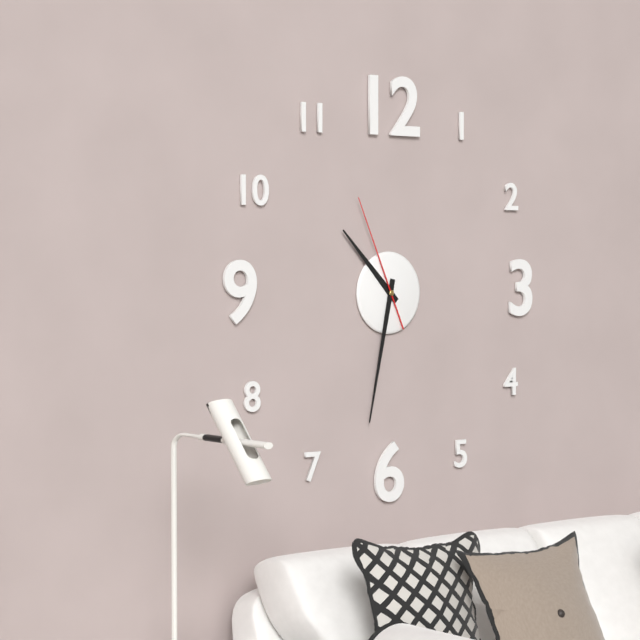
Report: {"hour": 10, "minute": 32, "second": 56}
